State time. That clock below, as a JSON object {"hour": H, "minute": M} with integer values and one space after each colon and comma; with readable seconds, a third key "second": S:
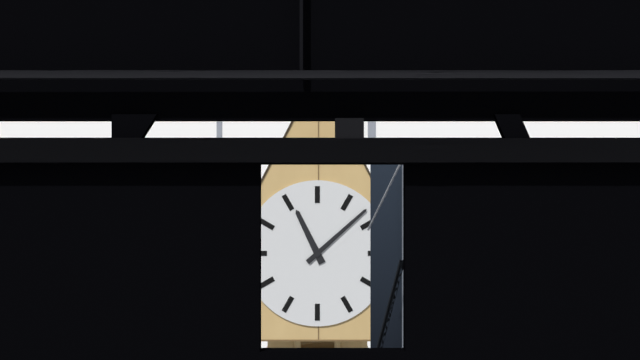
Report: {"hour": 11, "minute": 8}
